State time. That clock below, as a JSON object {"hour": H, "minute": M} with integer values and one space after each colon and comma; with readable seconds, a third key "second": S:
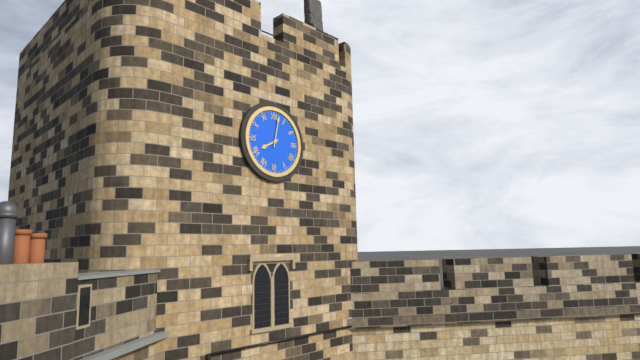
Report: {"hour": 8, "minute": 2}
